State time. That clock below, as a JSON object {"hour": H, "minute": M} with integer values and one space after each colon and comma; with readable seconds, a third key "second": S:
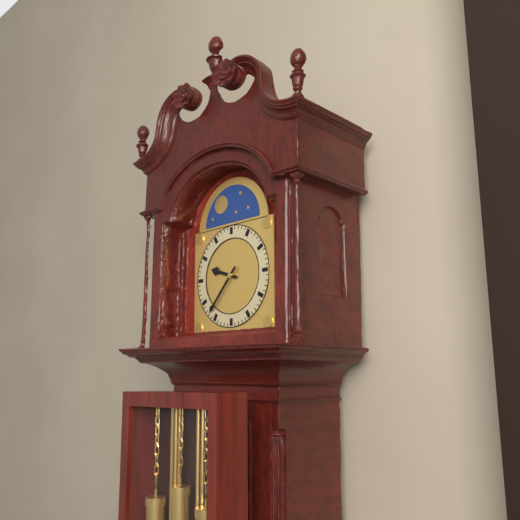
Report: {"hour": 9, "minute": 37}
